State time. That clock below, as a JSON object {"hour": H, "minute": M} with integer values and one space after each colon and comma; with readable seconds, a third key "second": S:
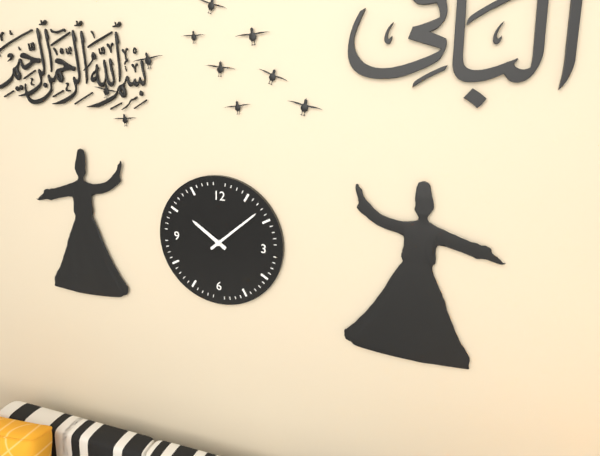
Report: {"hour": 10, "minute": 8}
